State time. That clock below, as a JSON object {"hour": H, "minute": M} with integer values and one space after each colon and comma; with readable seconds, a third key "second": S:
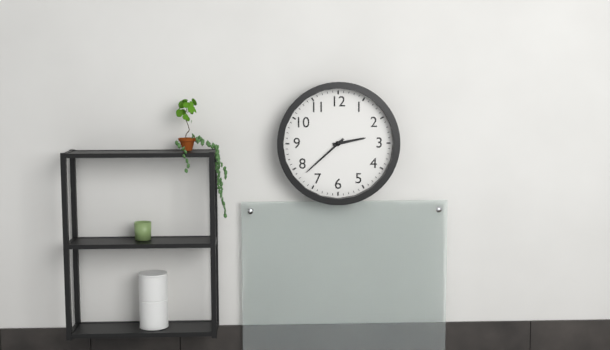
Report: {"hour": 2, "minute": 38}
